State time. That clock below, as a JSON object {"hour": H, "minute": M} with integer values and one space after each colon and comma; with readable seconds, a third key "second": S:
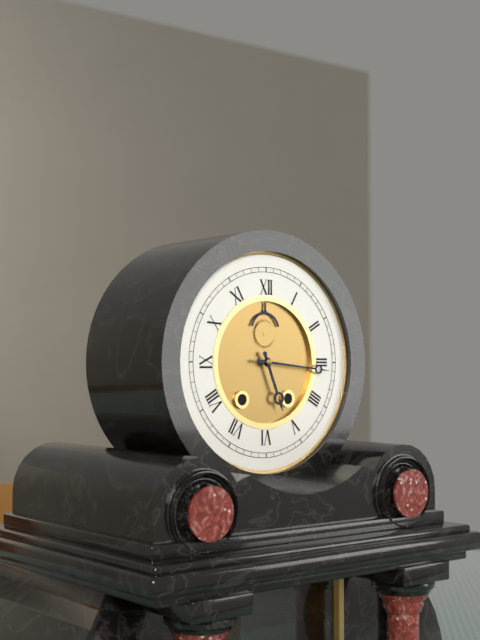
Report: {"hour": 5, "minute": 16}
